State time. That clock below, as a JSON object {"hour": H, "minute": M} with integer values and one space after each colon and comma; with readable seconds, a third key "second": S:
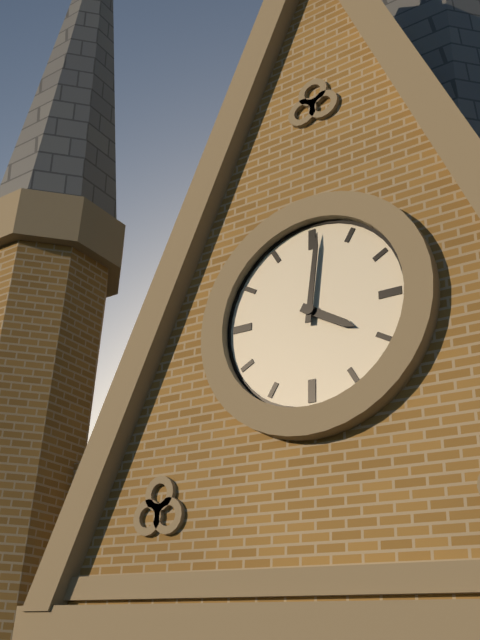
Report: {"hour": 4, "minute": 1}
